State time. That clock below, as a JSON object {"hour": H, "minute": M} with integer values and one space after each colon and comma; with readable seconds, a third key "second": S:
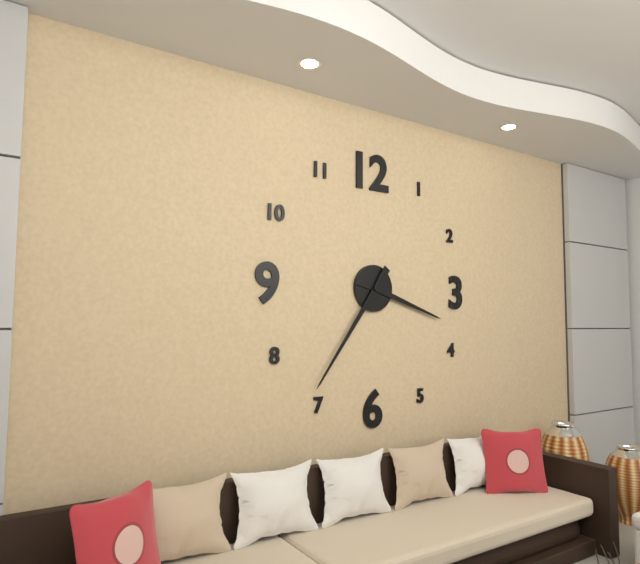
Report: {"hour": 3, "minute": 36}
